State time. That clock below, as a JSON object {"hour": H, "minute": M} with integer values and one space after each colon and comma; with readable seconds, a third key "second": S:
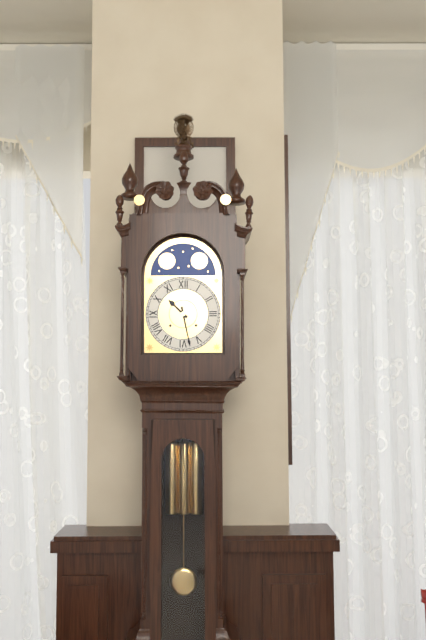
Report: {"hour": 10, "minute": 28}
